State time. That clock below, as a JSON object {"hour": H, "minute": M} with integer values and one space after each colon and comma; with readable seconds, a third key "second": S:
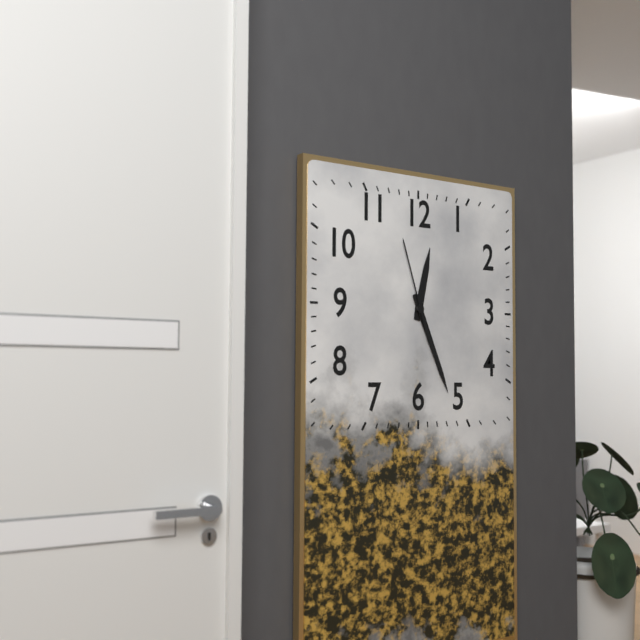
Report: {"hour": 12, "minute": 26, "second": 57}
